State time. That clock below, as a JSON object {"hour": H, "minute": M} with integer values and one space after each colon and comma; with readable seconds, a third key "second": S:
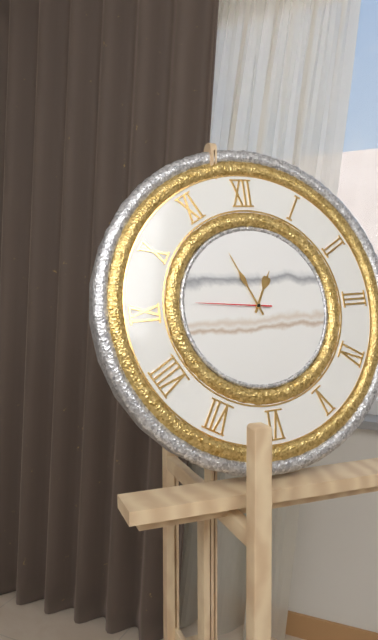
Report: {"hour": 12, "minute": 56, "second": 46}
